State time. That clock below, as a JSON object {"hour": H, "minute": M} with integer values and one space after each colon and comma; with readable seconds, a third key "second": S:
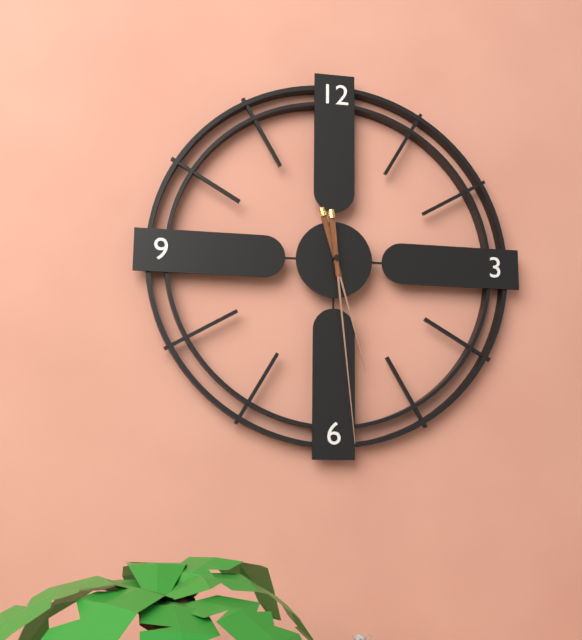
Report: {"hour": 5, "minute": 29}
